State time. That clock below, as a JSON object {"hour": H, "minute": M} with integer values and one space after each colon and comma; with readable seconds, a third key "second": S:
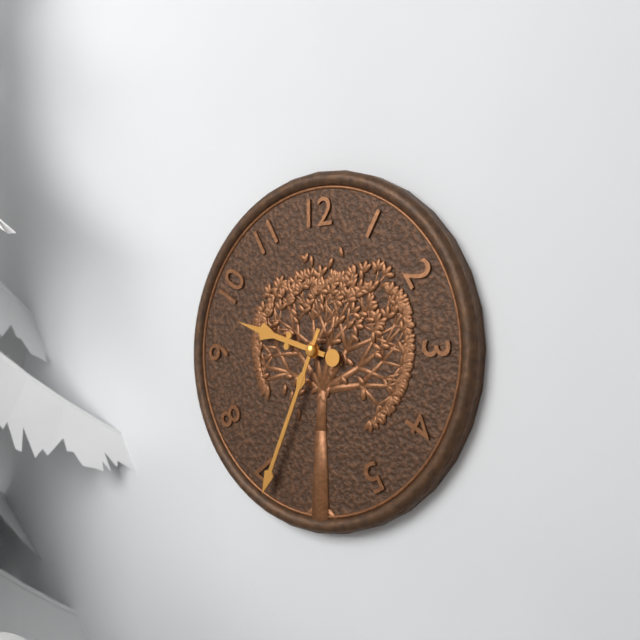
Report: {"hour": 9, "minute": 34}
